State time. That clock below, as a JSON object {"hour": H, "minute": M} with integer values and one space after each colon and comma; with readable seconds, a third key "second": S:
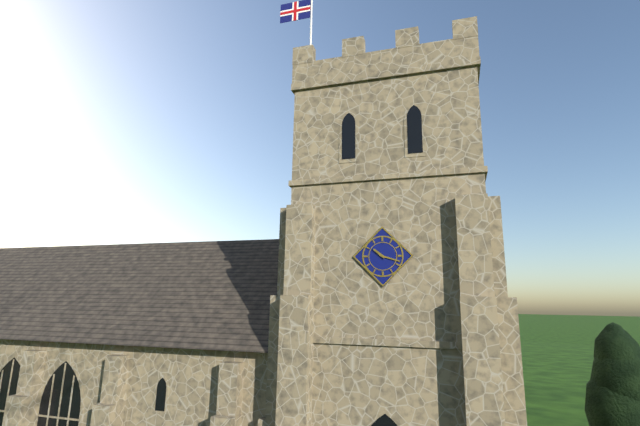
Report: {"hour": 10, "minute": 18}
